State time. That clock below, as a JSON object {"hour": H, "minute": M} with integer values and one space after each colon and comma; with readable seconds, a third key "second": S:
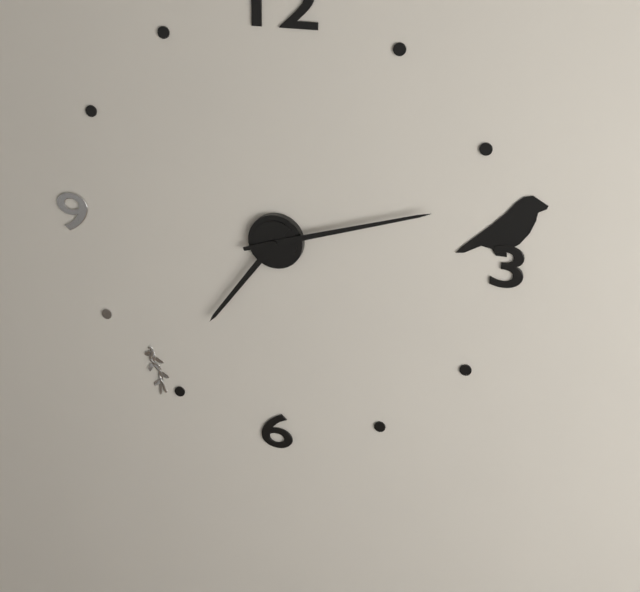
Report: {"hour": 7, "minute": 12}
